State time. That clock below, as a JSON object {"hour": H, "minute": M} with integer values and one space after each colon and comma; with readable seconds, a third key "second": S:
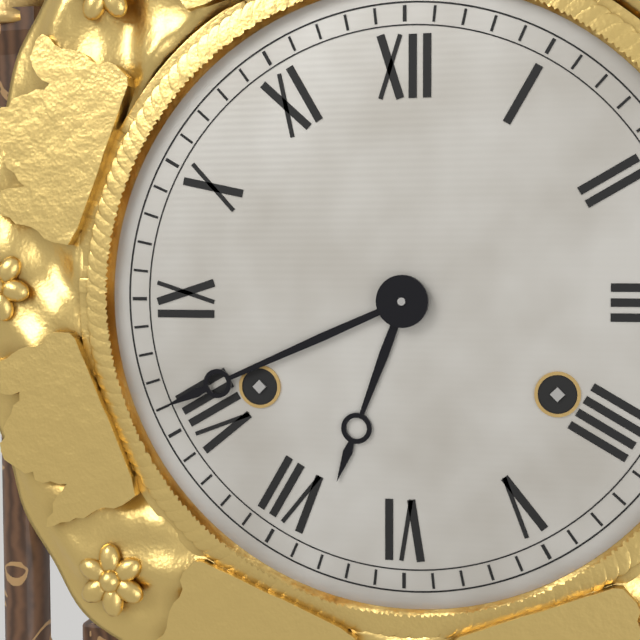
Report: {"hour": 6, "minute": 41}
